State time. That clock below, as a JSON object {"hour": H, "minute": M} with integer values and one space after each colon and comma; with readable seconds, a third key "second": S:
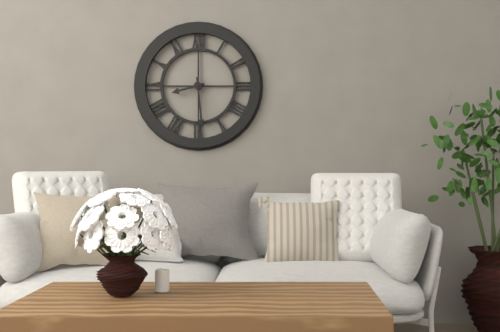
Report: {"hour": 8, "minute": 29}
